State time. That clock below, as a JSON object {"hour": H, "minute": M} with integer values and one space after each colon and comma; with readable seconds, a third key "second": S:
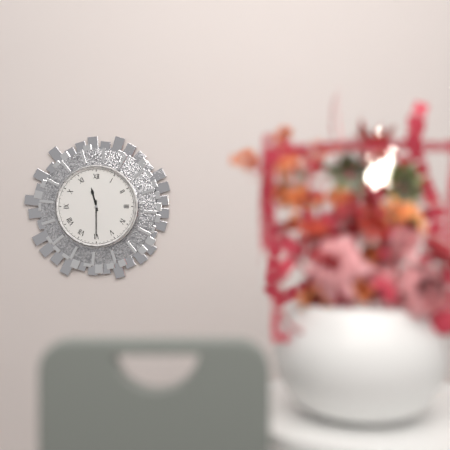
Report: {"hour": 11, "minute": 30}
